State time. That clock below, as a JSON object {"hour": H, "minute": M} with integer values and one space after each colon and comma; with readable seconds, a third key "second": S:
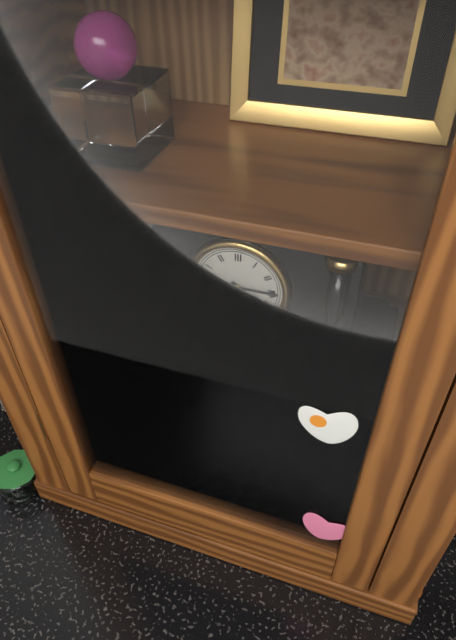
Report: {"hour": 4, "minute": 15}
